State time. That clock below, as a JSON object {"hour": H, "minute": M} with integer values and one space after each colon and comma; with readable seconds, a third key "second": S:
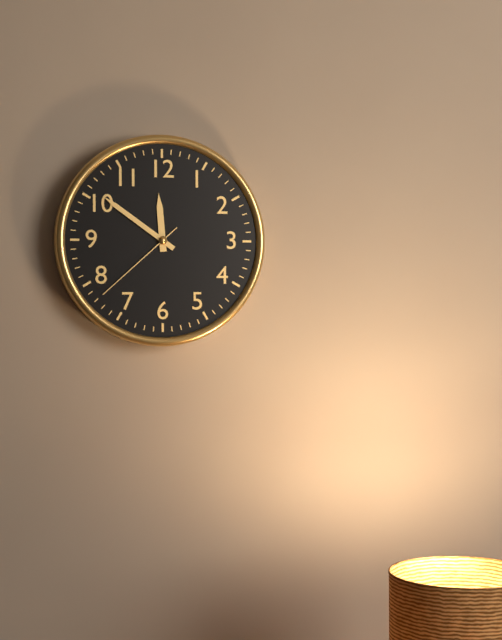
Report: {"hour": 11, "minute": 51, "second": 38}
